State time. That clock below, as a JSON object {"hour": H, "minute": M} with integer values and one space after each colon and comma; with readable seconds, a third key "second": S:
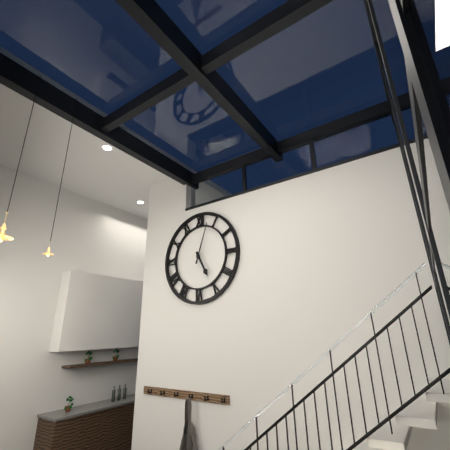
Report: {"hour": 5, "minute": 3}
